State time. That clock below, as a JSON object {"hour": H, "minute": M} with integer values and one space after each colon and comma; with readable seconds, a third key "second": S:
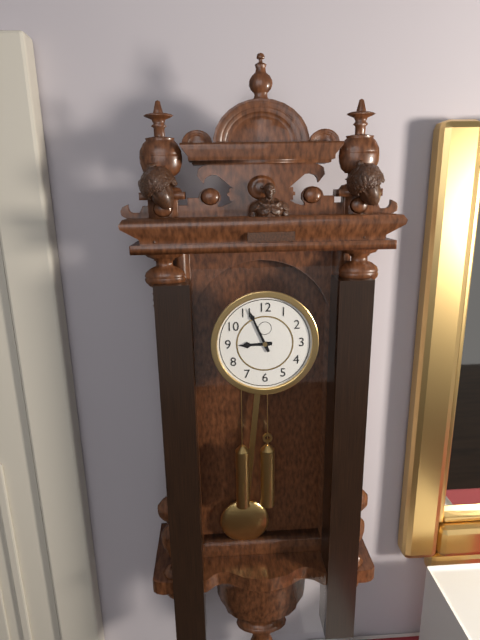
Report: {"hour": 8, "minute": 56}
